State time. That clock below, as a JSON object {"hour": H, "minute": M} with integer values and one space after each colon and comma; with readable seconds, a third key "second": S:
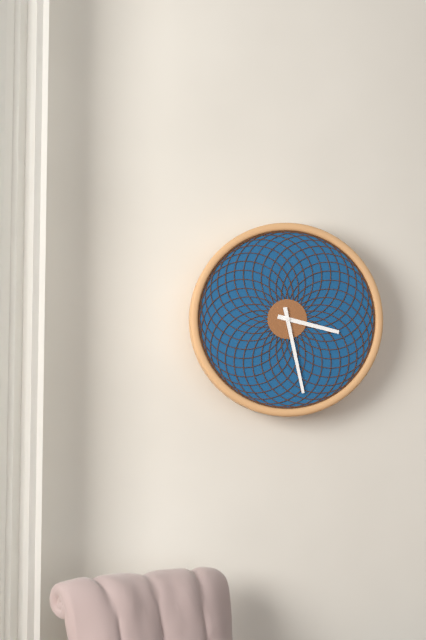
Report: {"hour": 3, "minute": 28}
